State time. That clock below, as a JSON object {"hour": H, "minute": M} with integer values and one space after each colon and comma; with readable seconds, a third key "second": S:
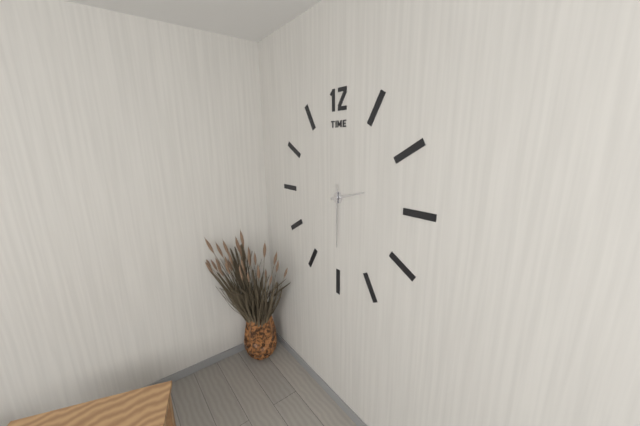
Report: {"hour": 2, "minute": 30}
